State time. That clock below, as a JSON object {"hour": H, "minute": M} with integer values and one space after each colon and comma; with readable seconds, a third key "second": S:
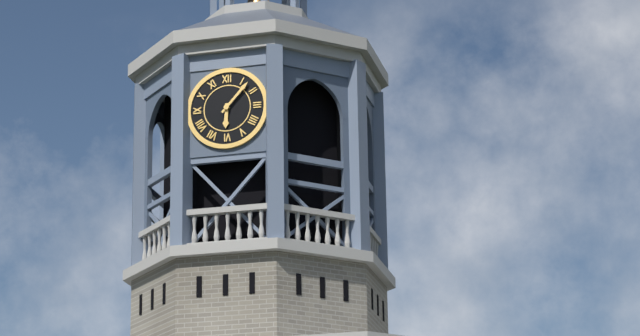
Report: {"hour": 6, "minute": 7}
